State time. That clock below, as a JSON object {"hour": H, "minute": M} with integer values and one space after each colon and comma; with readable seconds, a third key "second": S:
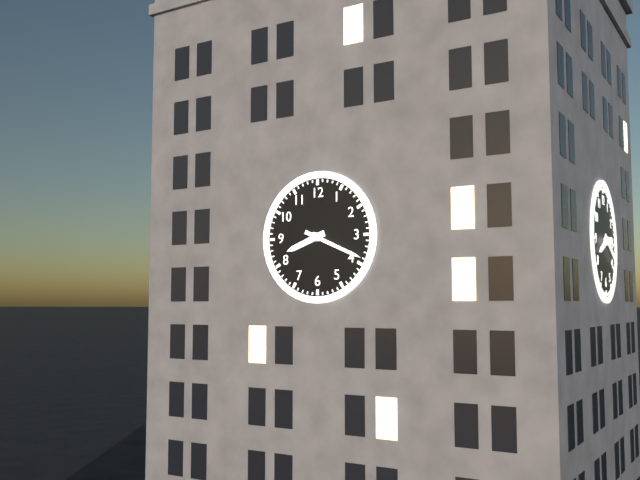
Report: {"hour": 8, "minute": 19}
